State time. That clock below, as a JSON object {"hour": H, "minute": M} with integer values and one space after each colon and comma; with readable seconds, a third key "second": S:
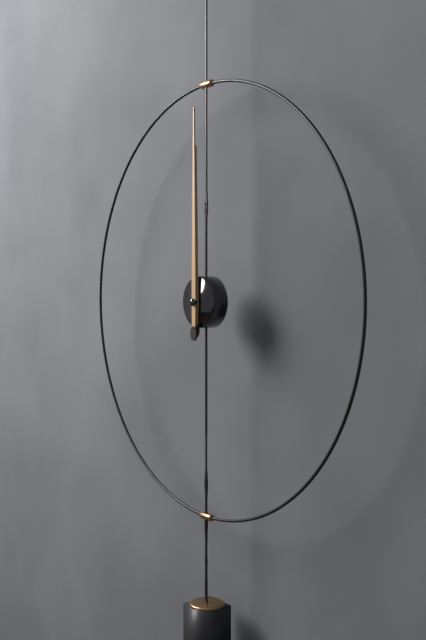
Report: {"hour": 12, "minute": 0}
